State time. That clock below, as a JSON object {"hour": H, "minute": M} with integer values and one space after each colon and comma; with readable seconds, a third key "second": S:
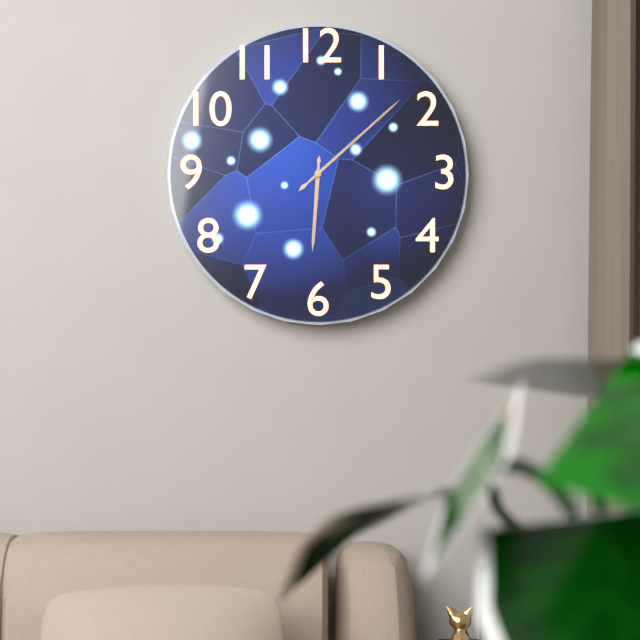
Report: {"hour": 6, "minute": 8}
